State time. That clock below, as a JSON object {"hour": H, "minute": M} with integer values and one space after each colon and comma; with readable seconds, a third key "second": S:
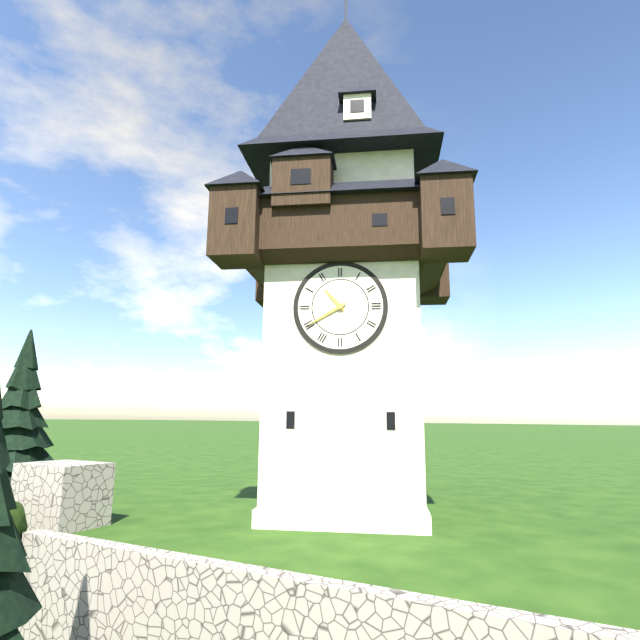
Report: {"hour": 10, "minute": 40}
